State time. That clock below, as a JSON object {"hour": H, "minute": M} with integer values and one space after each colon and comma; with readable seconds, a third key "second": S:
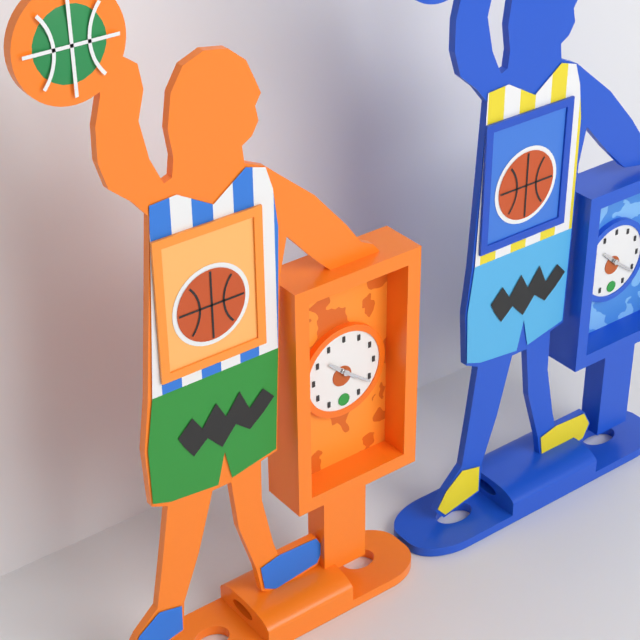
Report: {"hour": 10, "minute": 21}
